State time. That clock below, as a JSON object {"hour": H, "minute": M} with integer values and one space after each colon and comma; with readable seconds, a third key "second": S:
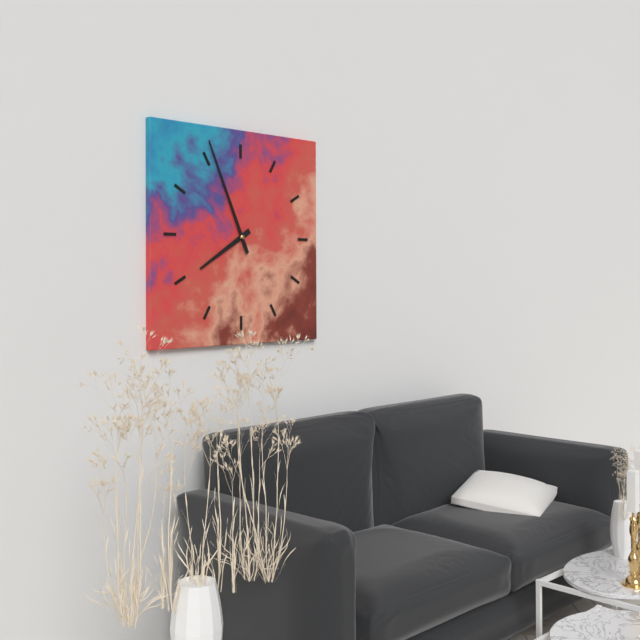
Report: {"hour": 7, "minute": 56}
